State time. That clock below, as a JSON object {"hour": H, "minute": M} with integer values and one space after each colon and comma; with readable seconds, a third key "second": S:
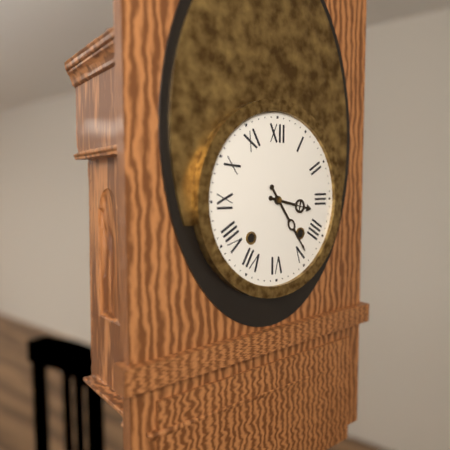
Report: {"hour": 3, "minute": 24}
